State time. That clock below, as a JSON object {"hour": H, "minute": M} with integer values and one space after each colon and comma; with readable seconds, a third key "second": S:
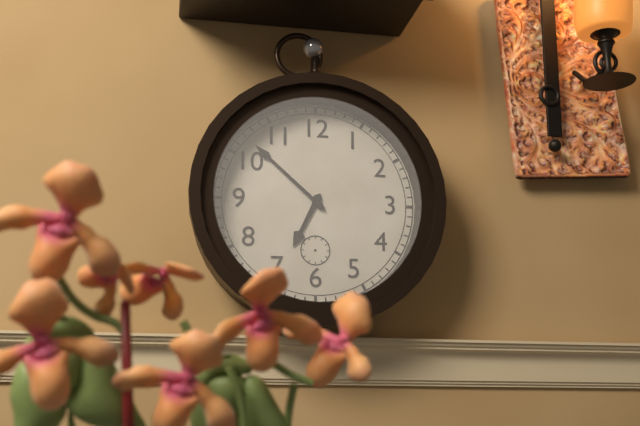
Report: {"hour": 6, "minute": 52}
